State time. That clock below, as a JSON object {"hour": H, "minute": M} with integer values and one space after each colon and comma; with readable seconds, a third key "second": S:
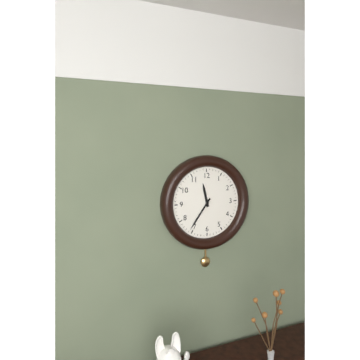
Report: {"hour": 11, "minute": 36}
